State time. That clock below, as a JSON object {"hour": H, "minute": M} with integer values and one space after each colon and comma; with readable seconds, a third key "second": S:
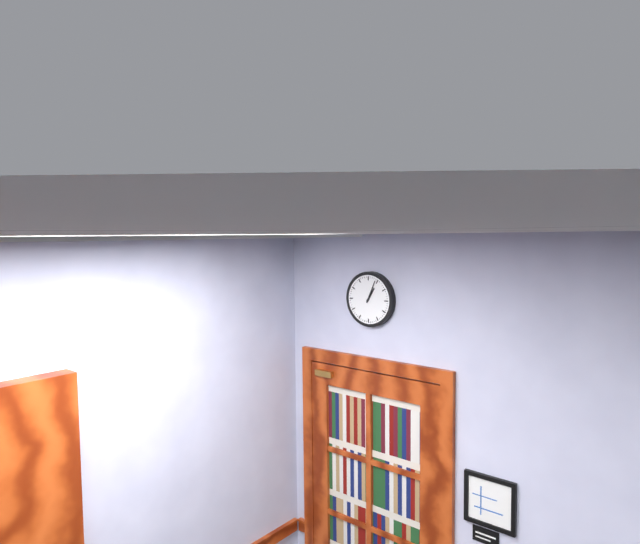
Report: {"hour": 1, "minute": 4}
